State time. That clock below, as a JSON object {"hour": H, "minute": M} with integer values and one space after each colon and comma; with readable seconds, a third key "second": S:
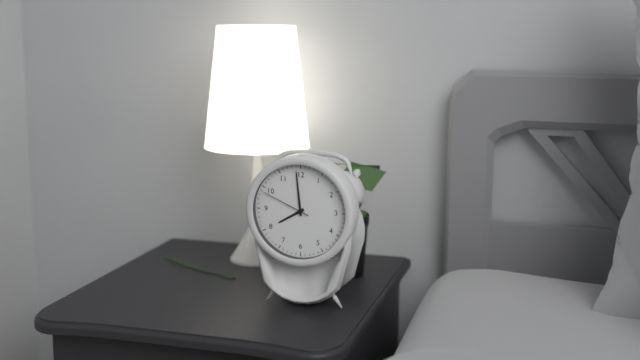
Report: {"hour": 7, "minute": 59, "second": 49}
